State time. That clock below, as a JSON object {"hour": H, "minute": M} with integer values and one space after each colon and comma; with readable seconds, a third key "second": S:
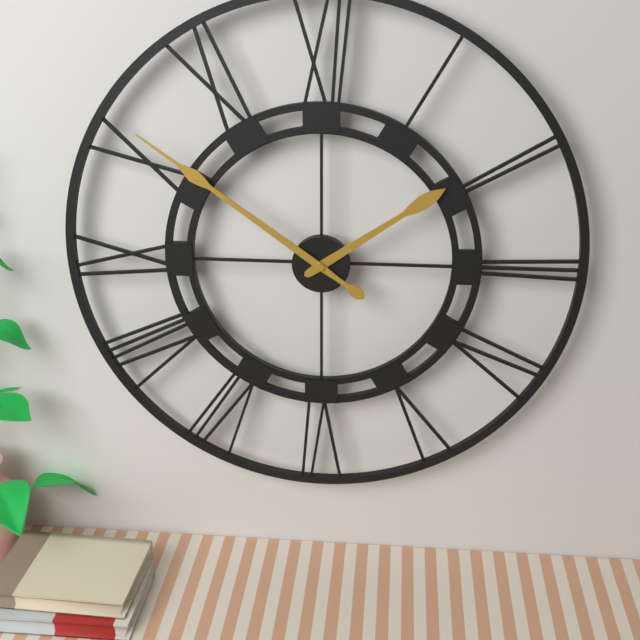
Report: {"hour": 1, "minute": 51}
